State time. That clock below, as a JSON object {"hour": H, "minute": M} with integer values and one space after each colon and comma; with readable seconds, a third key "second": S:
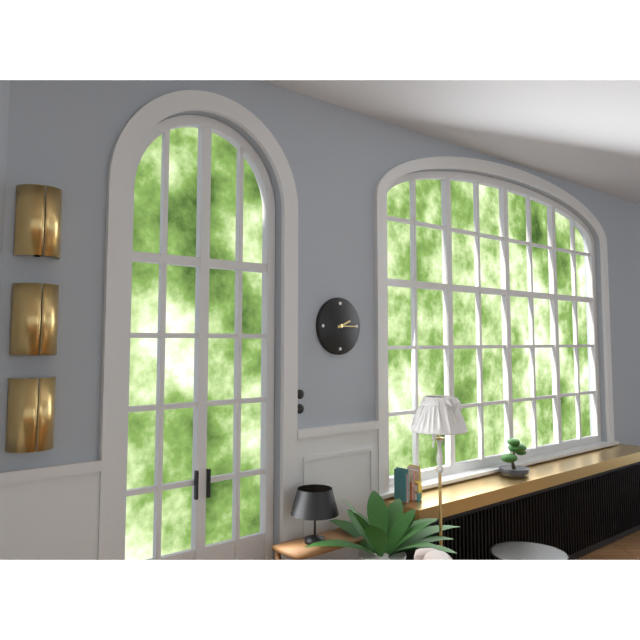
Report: {"hour": 2, "minute": 15}
